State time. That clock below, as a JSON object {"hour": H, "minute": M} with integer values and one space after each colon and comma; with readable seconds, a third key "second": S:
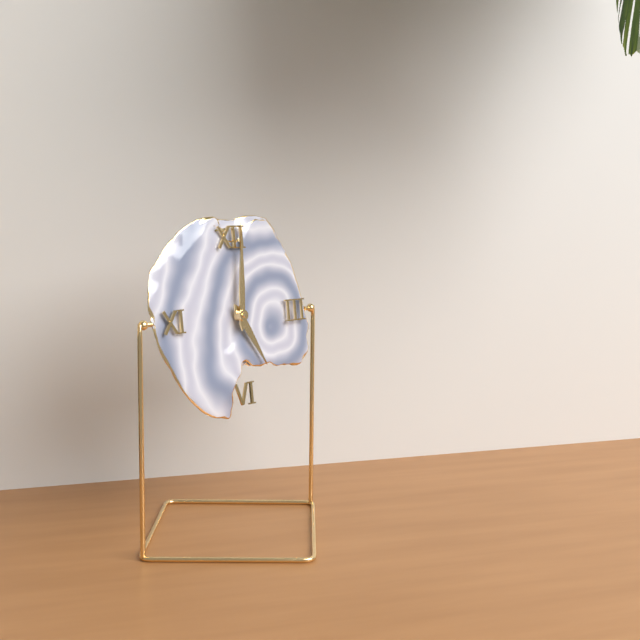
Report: {"hour": 5, "minute": 1}
